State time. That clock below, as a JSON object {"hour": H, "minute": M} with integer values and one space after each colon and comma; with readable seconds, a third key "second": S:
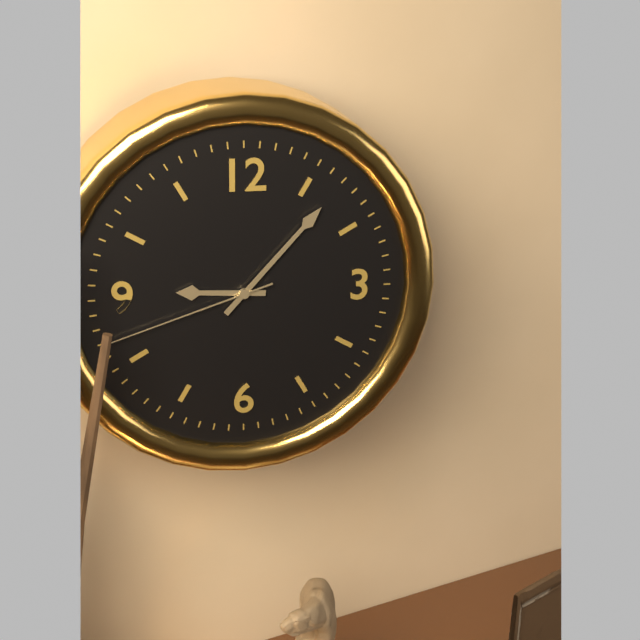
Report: {"hour": 9, "minute": 7, "second": 42}
